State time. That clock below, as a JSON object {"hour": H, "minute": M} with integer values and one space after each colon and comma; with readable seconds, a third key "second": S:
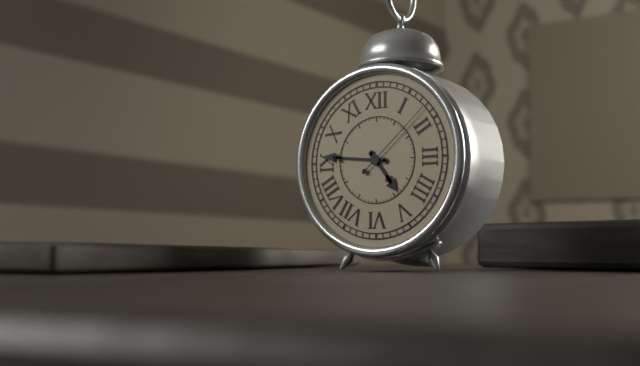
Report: {"hour": 4, "minute": 46, "second": 8}
